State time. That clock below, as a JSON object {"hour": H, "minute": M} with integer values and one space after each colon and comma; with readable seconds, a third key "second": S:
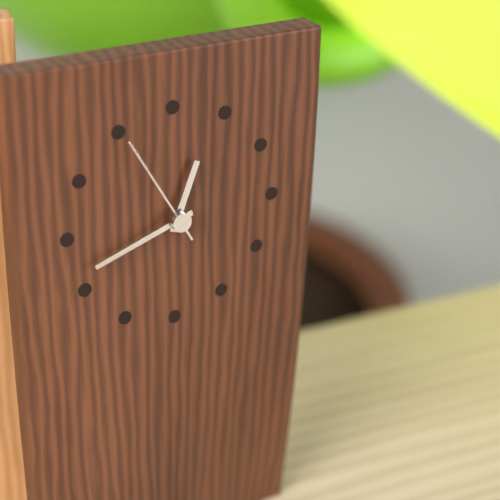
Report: {"hour": 12, "minute": 42, "second": 55}
